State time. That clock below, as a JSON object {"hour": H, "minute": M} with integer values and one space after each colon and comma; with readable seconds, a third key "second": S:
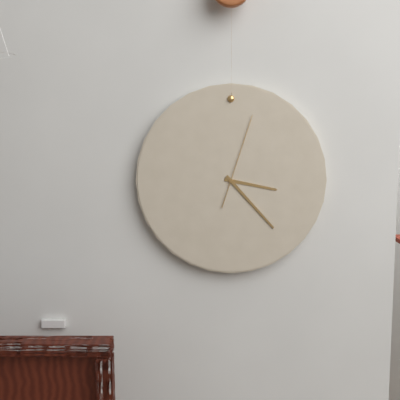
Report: {"hour": 3, "minute": 23, "second": 3}
